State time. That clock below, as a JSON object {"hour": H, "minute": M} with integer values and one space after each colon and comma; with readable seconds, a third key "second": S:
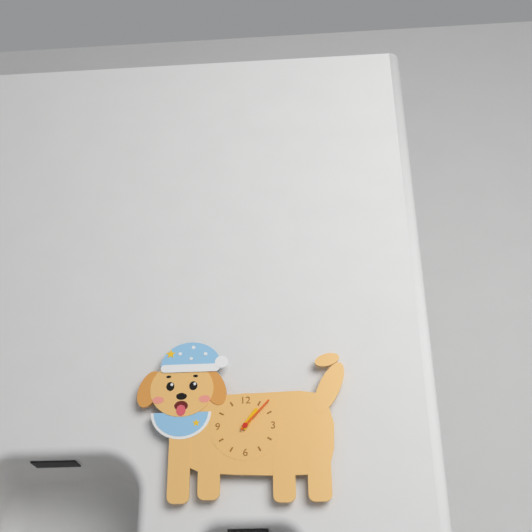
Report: {"hour": 1, "minute": 7}
